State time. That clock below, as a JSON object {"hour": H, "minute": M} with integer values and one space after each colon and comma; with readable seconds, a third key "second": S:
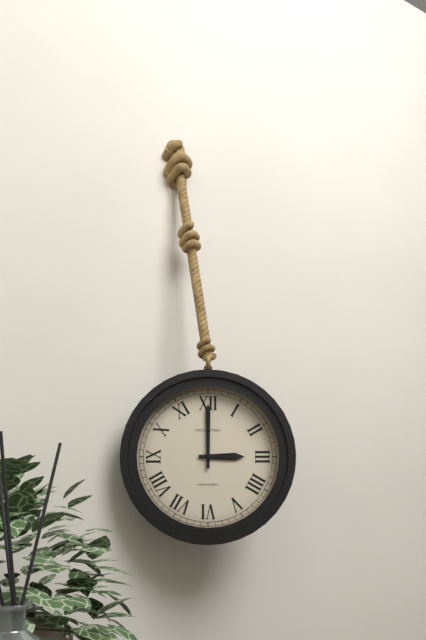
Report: {"hour": 3, "minute": 0}
